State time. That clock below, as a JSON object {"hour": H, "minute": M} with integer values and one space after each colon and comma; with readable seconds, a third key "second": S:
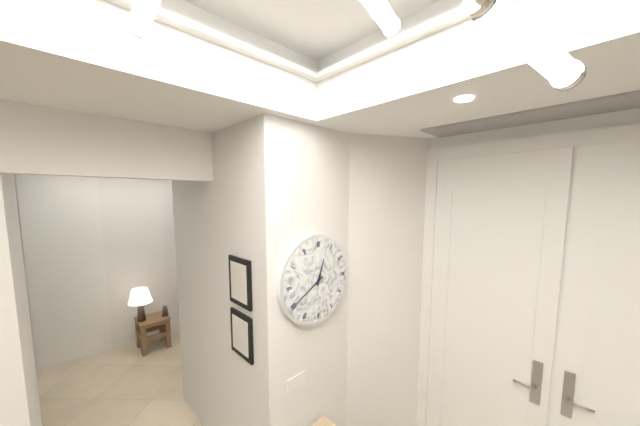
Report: {"hour": 12, "minute": 40}
